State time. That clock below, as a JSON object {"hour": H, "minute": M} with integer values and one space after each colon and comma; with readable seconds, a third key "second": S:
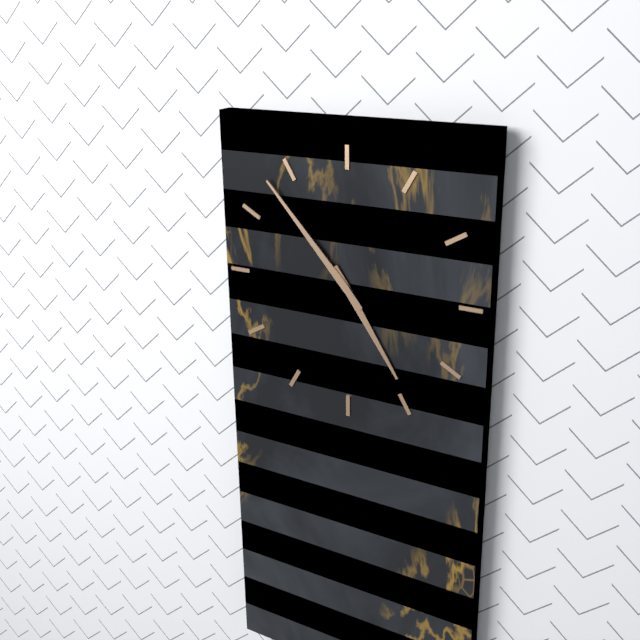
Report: {"hour": 4, "minute": 53}
